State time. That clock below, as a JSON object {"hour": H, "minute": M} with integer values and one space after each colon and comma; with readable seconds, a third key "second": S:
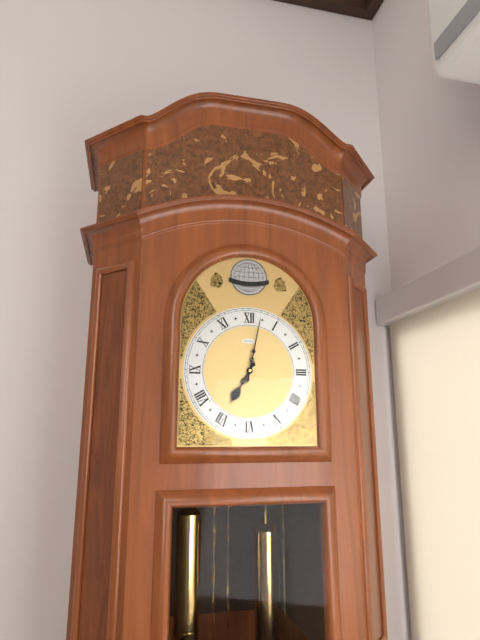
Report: {"hour": 7, "minute": 2}
